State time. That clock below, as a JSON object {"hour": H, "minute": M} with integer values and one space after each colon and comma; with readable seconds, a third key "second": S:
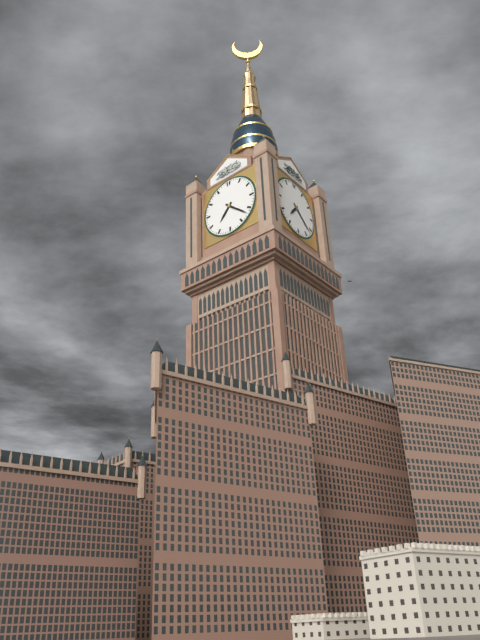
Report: {"hour": 7, "minute": 22}
